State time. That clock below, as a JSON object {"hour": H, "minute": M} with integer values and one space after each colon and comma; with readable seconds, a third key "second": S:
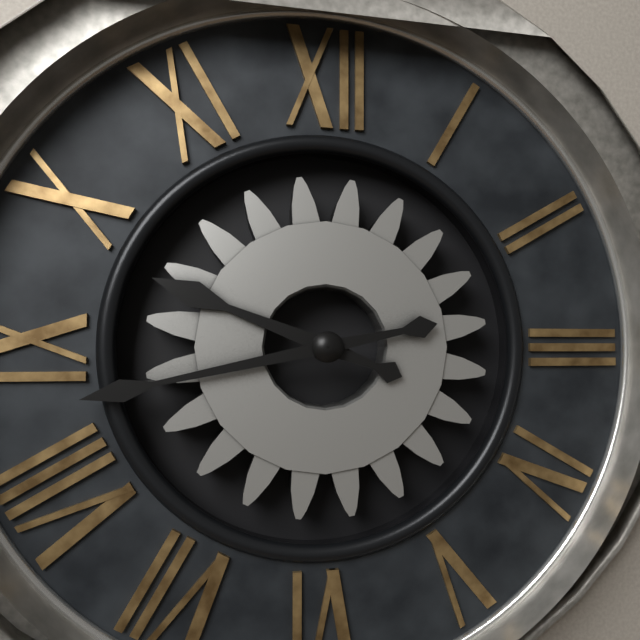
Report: {"hour": 9, "minute": 43}
